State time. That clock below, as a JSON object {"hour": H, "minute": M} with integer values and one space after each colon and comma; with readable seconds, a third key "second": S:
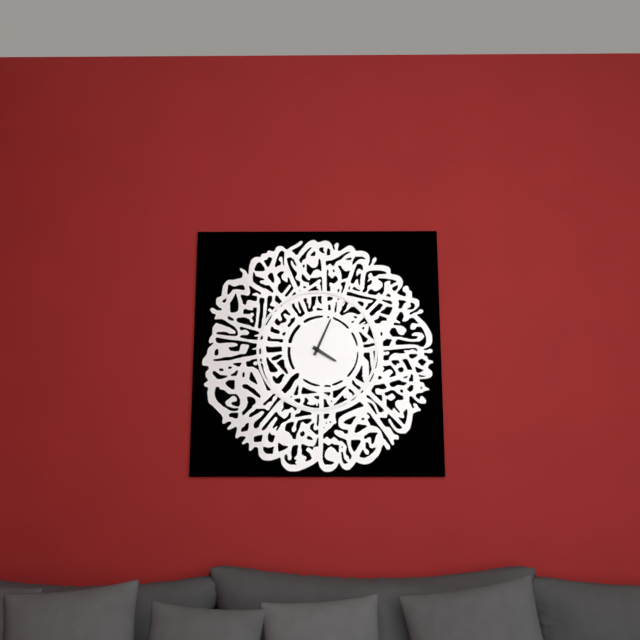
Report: {"hour": 4, "minute": 4}
